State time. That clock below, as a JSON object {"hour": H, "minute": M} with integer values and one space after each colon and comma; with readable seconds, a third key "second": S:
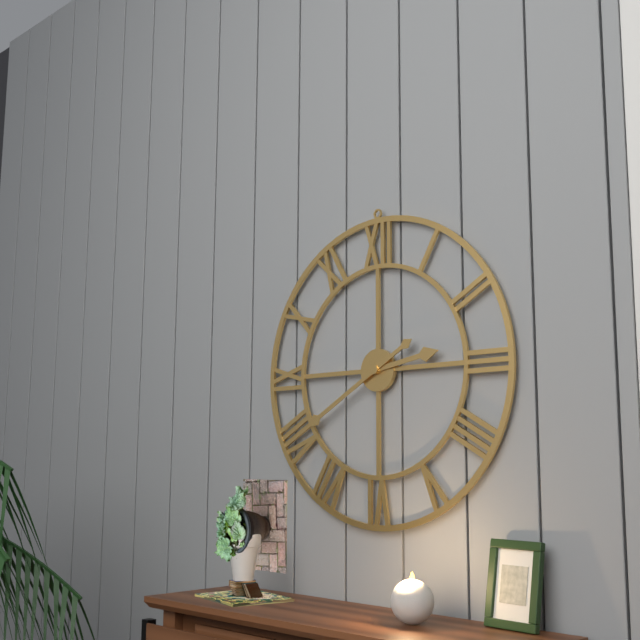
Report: {"hour": 2, "minute": 40}
